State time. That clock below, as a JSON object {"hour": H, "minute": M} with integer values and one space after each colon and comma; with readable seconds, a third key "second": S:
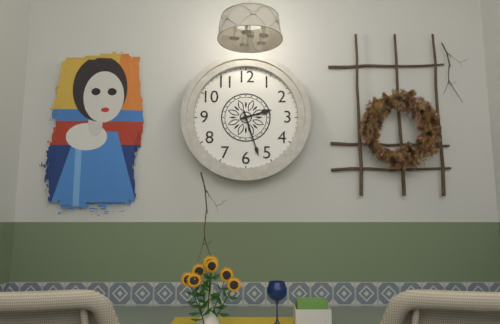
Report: {"hour": 2, "minute": 27}
